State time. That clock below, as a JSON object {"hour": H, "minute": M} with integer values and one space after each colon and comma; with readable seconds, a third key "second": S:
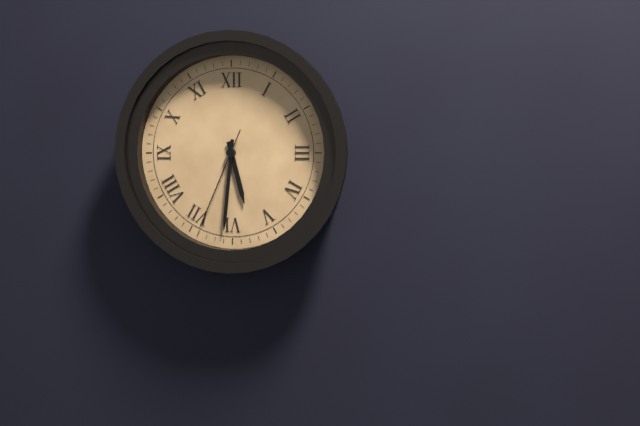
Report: {"hour": 5, "minute": 31, "second": 34}
